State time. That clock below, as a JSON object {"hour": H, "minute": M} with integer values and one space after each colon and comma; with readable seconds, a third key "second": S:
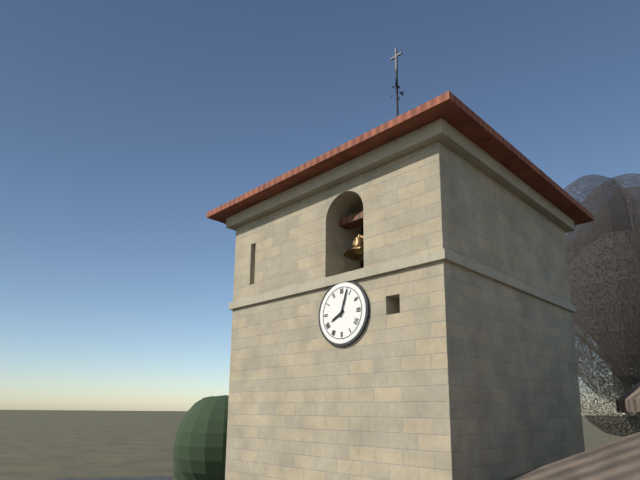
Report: {"hour": 8, "minute": 3}
